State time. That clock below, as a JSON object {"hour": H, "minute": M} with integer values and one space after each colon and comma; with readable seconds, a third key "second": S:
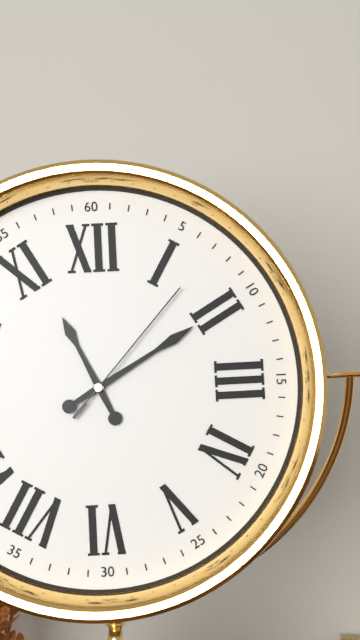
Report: {"hour": 11, "minute": 10, "second": 7}
